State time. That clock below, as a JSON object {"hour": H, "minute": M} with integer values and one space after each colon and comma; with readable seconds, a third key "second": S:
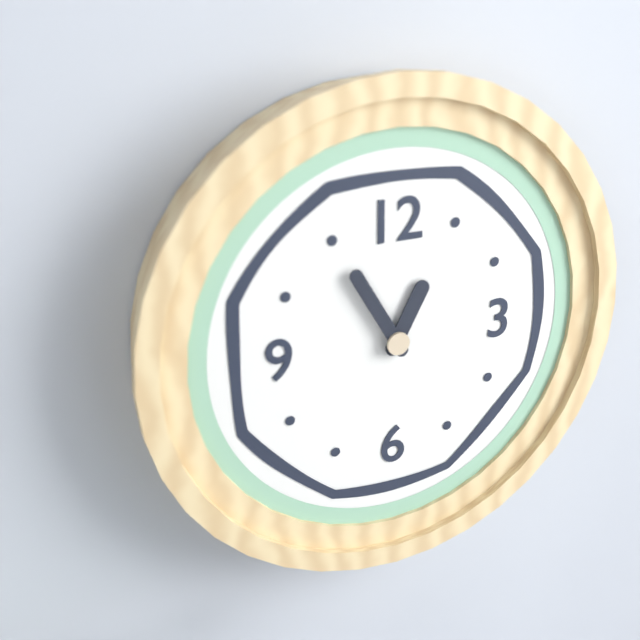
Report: {"hour": 12, "minute": 55}
